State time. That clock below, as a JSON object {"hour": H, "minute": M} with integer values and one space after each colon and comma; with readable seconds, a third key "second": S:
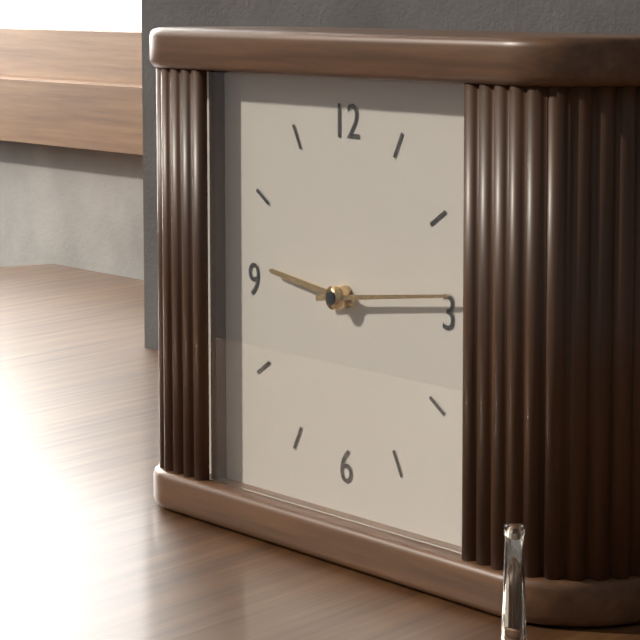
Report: {"hour": 9, "minute": 14}
